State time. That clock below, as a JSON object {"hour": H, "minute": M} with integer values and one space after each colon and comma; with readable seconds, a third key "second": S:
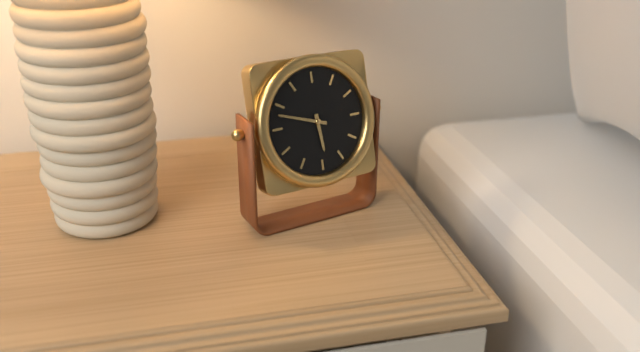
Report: {"hour": 5, "minute": 48}
